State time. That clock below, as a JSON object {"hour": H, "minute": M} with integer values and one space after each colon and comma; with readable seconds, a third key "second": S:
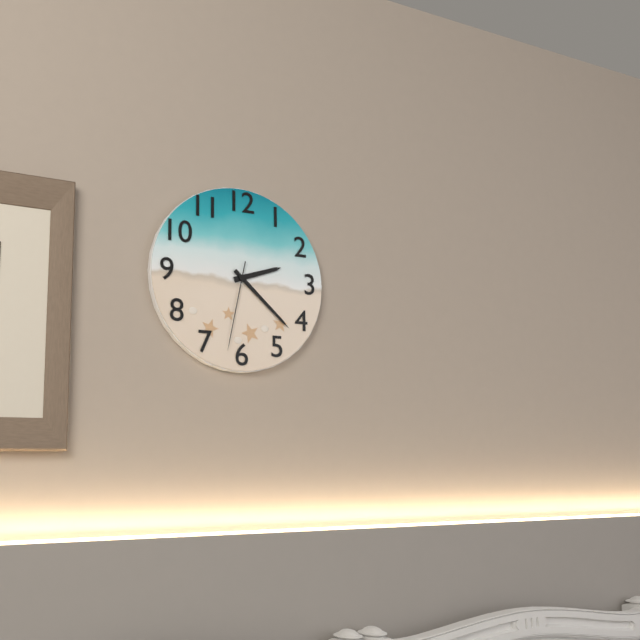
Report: {"hour": 2, "minute": 22, "second": 32}
